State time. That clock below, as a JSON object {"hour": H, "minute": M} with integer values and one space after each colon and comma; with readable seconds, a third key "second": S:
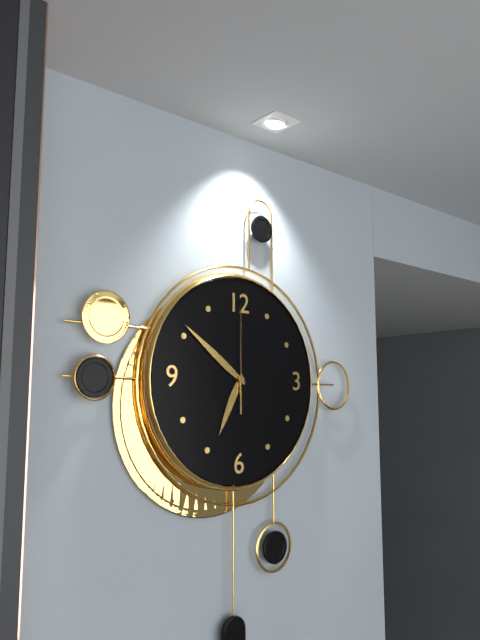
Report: {"hour": 6, "minute": 51, "second": 0}
